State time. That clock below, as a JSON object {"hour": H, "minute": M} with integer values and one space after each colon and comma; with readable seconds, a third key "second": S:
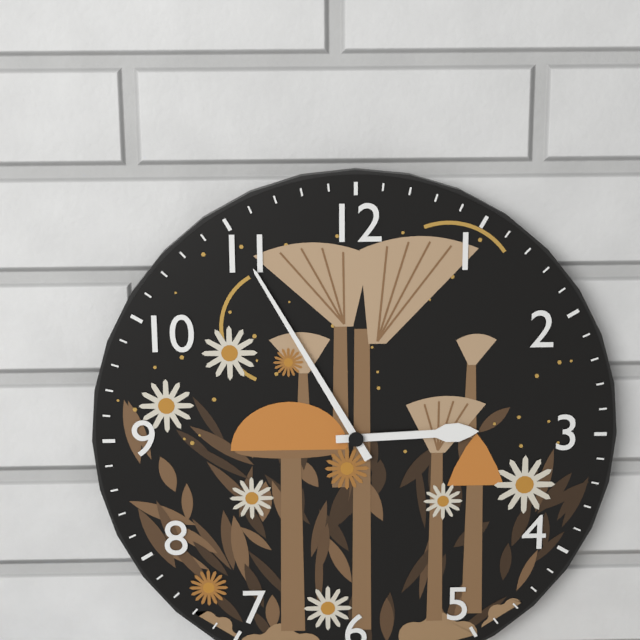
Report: {"hour": 2, "minute": 55}
